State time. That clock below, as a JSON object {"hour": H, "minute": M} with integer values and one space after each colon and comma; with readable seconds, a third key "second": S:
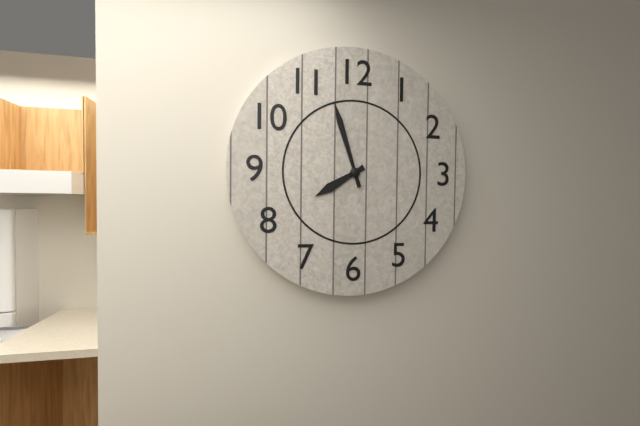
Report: {"hour": 7, "minute": 57}
